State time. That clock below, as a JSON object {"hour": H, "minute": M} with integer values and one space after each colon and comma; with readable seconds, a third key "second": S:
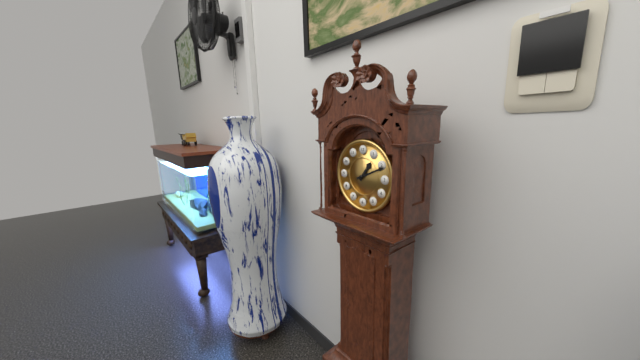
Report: {"hour": 1, "minute": 11}
